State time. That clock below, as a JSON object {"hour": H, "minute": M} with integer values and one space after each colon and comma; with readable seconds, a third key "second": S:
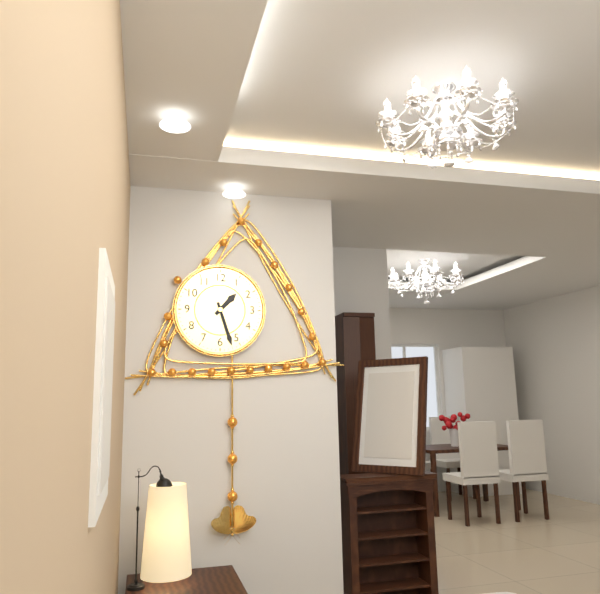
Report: {"hour": 1, "minute": 27}
